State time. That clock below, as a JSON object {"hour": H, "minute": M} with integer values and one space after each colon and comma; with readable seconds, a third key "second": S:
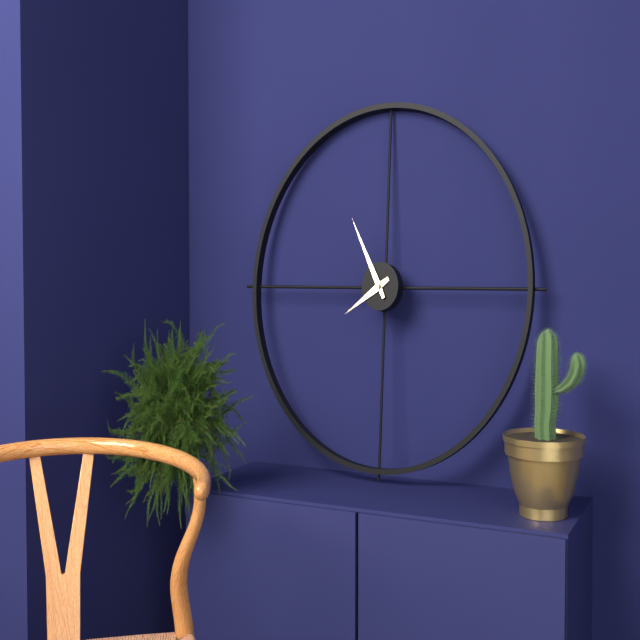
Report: {"hour": 7, "minute": 55}
